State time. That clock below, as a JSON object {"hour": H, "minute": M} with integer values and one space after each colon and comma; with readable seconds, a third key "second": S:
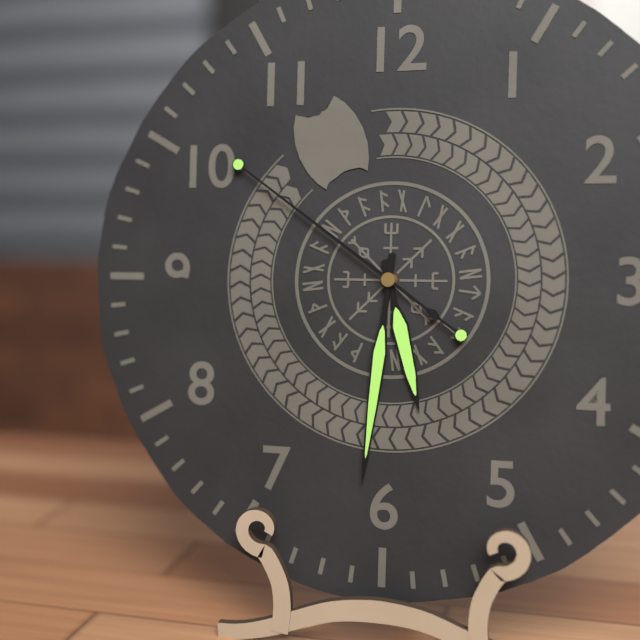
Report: {"hour": 5, "minute": 31, "second": 51}
